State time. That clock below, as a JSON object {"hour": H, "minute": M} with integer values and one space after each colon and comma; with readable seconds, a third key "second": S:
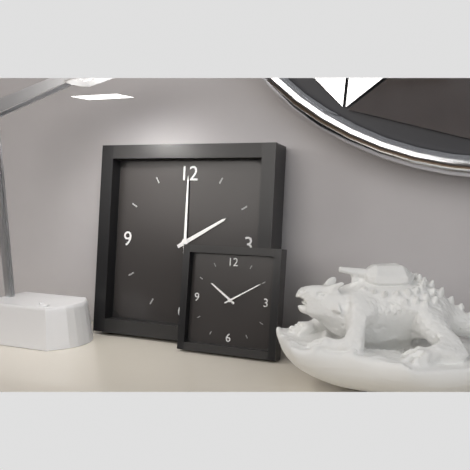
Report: {"hour": 2, "minute": 0}
